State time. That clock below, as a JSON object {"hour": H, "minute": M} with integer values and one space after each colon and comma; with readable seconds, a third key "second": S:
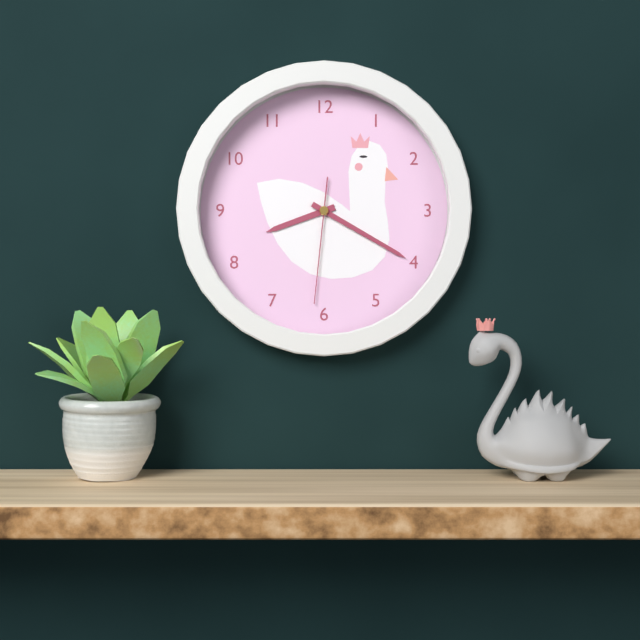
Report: {"hour": 8, "minute": 20, "second": 31}
